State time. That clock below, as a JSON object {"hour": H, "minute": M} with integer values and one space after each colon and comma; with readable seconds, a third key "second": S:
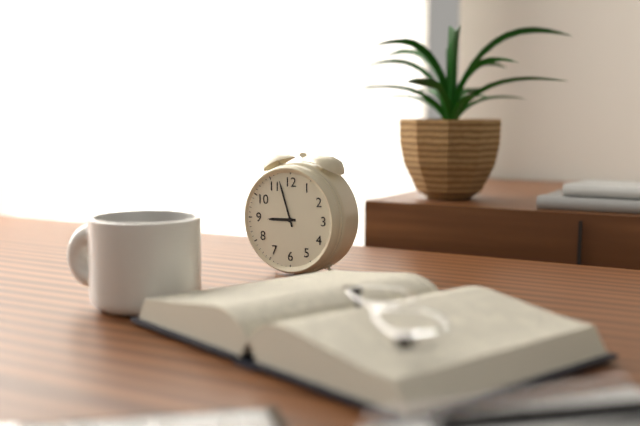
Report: {"hour": 8, "minute": 57}
